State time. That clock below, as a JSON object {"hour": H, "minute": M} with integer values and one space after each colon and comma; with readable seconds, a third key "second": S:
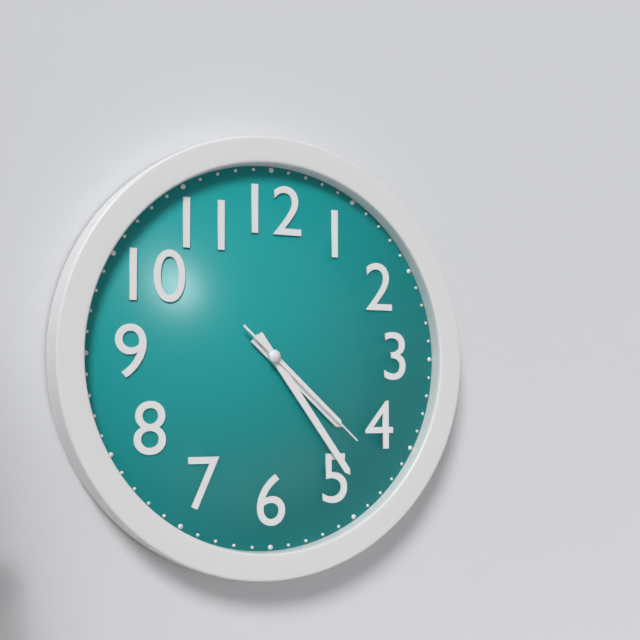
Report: {"hour": 4, "minute": 24, "second": 22}
